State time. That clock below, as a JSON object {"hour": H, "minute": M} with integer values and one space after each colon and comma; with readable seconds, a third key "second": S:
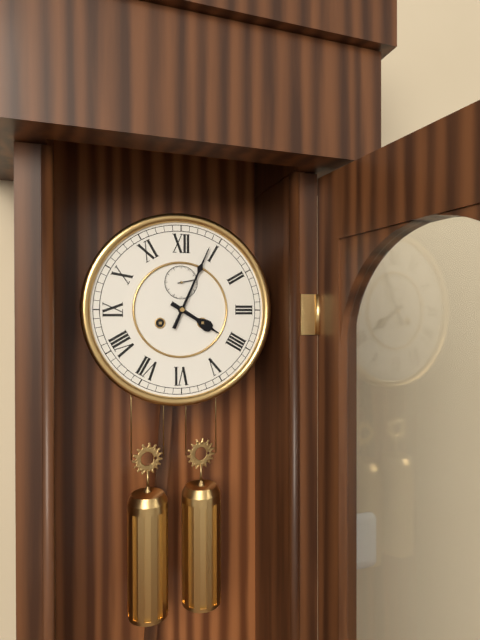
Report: {"hour": 4, "minute": 4}
